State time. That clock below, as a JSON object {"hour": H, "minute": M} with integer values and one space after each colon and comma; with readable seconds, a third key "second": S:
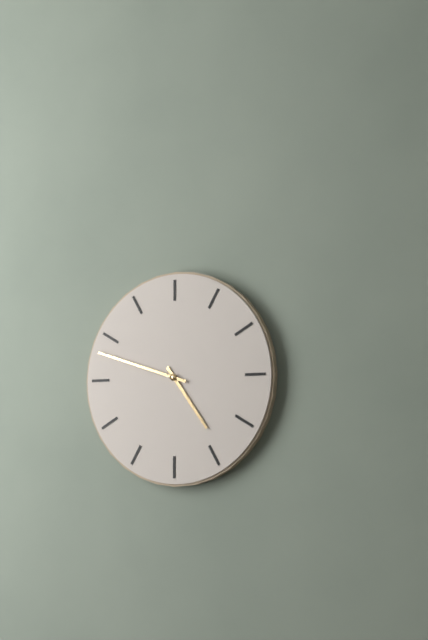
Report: {"hour": 4, "minute": 48}
